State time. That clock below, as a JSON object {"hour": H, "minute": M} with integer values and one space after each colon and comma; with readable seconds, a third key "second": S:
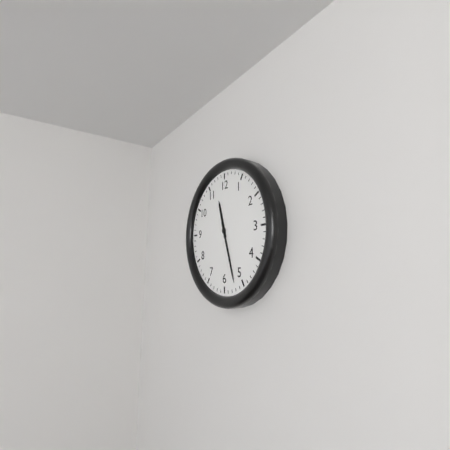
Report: {"hour": 11, "minute": 27}
